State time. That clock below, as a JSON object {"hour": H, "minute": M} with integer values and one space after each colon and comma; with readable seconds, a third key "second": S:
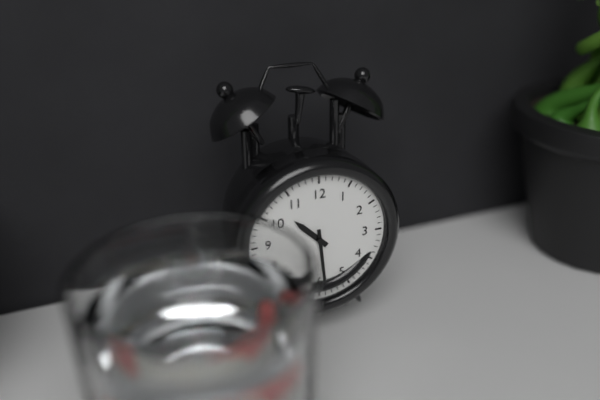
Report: {"hour": 10, "minute": 29}
